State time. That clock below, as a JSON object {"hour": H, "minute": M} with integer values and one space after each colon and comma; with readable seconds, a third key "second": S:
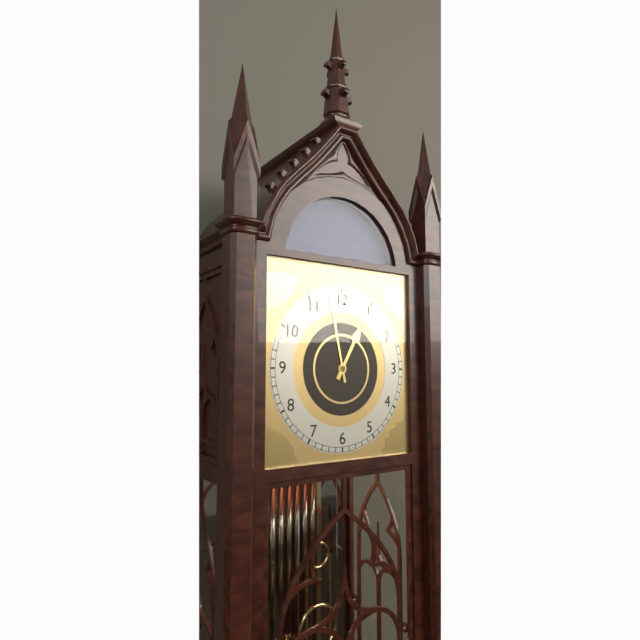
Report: {"hour": 12, "minute": 58}
